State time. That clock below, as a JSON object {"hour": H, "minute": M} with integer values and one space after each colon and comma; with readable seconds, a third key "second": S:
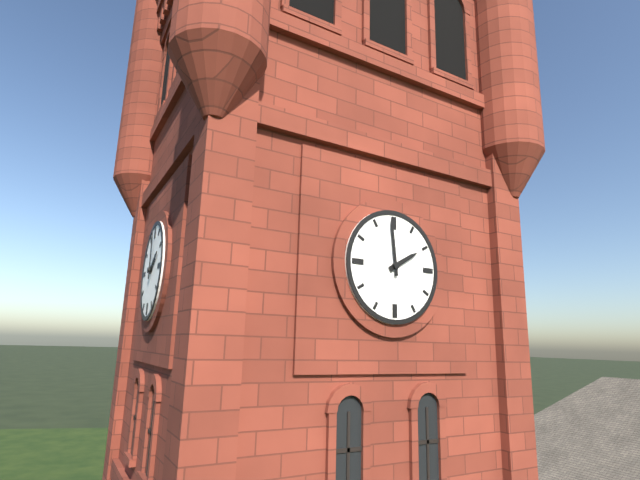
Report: {"hour": 1, "minute": 59}
